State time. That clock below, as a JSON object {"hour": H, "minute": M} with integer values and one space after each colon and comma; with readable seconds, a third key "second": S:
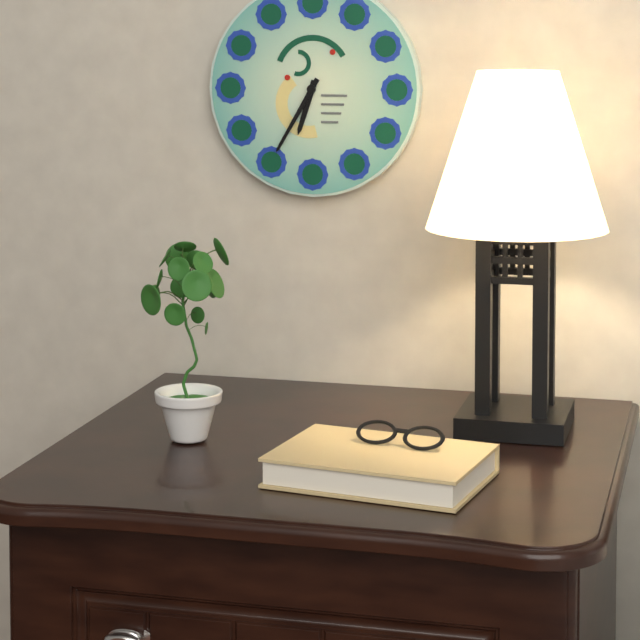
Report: {"hour": 6, "minute": 35}
